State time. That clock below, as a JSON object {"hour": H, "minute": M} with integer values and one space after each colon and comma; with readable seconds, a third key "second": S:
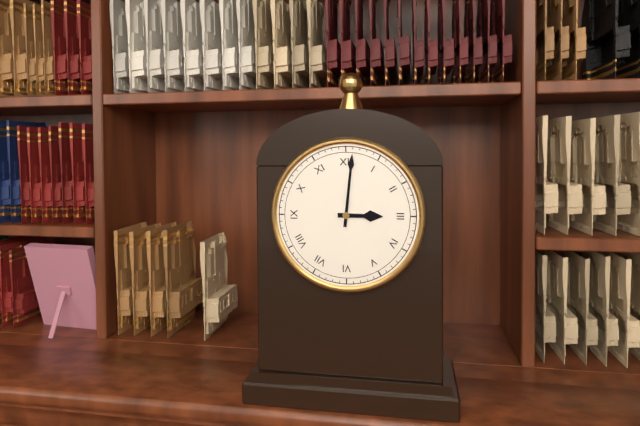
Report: {"hour": 3, "minute": 1}
